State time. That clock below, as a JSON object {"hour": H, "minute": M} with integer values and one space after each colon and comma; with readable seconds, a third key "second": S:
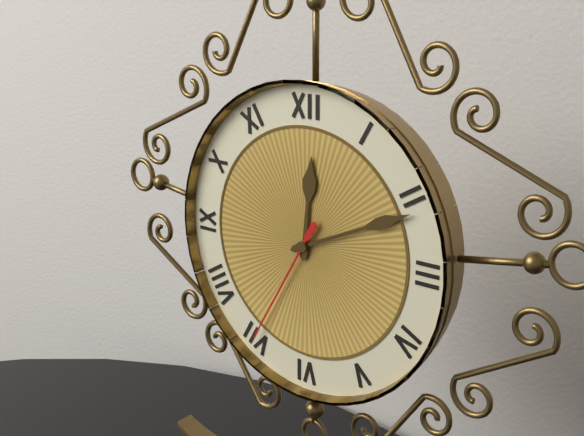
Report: {"hour": 12, "minute": 11, "second": 35}
